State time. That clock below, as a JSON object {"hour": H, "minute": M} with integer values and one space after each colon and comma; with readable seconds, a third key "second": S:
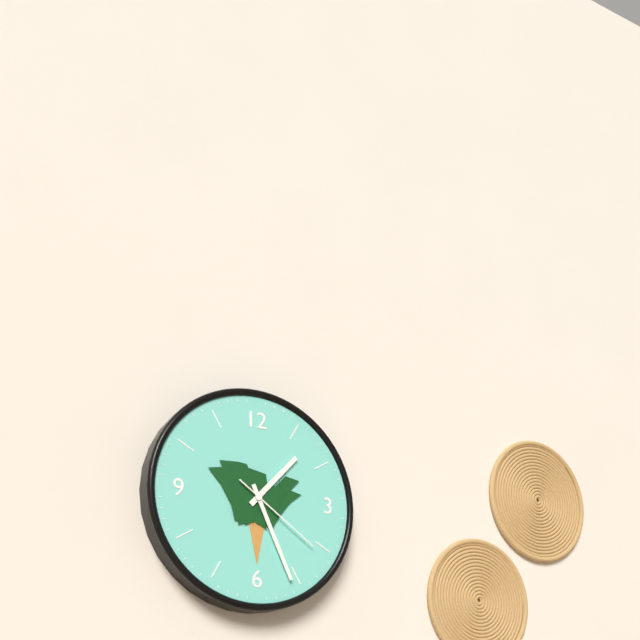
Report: {"hour": 1, "minute": 26, "second": 21}
